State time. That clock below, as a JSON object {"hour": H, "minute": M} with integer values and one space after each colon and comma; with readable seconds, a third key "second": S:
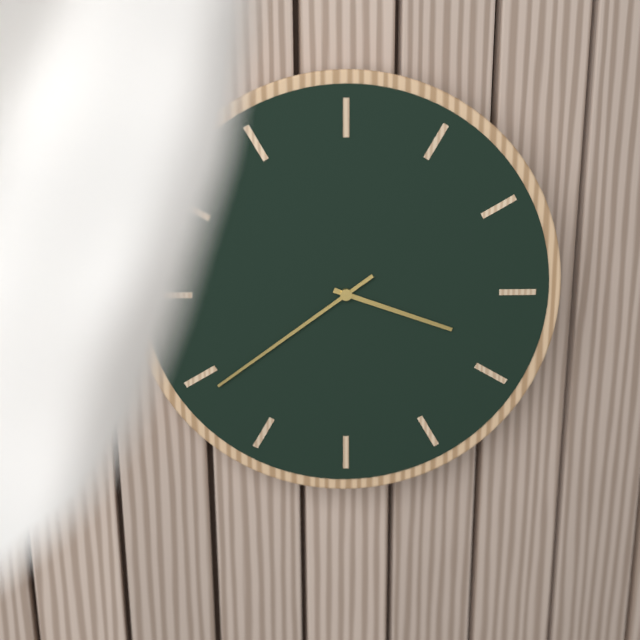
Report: {"hour": 3, "minute": 39}
